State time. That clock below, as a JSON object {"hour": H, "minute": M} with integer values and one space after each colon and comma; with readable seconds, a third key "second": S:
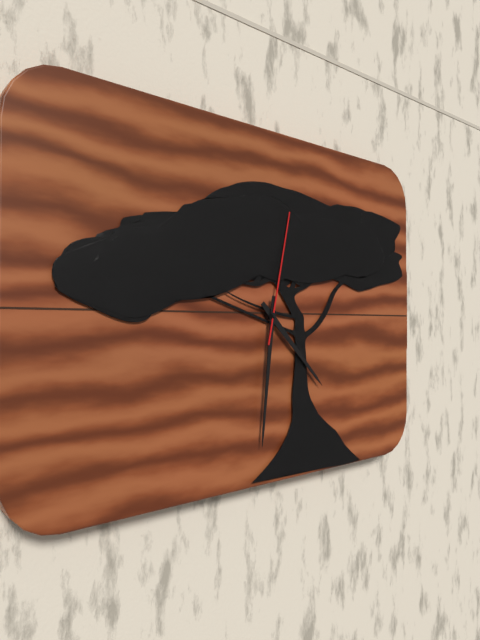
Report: {"hour": 4, "minute": 31, "second": 2}
